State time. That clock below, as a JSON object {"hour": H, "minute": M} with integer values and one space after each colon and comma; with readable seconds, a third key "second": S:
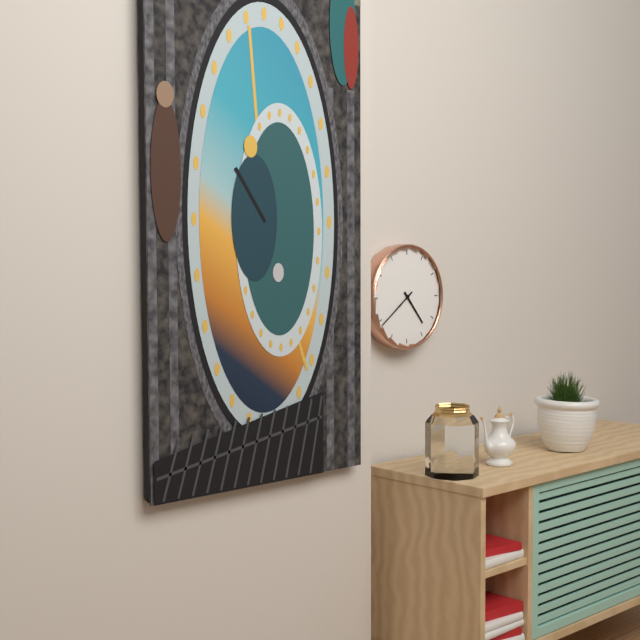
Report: {"hour": 4, "minute": 39}
